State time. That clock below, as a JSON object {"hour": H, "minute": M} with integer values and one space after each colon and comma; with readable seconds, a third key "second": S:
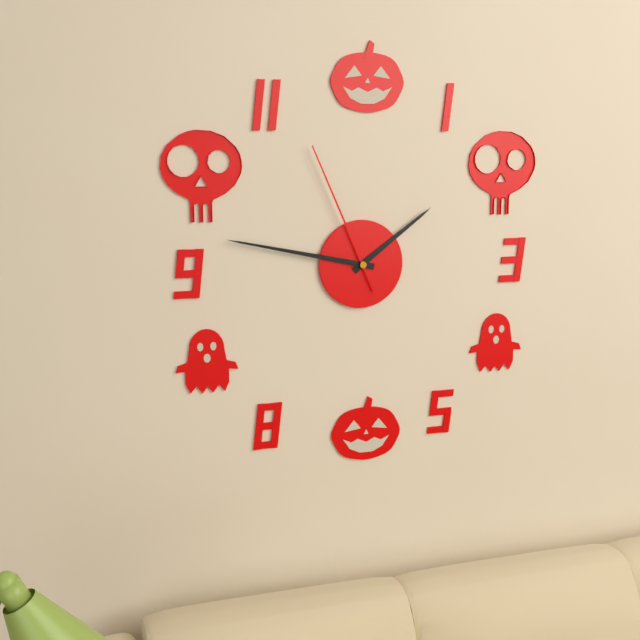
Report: {"hour": 1, "minute": 47, "second": 56}
